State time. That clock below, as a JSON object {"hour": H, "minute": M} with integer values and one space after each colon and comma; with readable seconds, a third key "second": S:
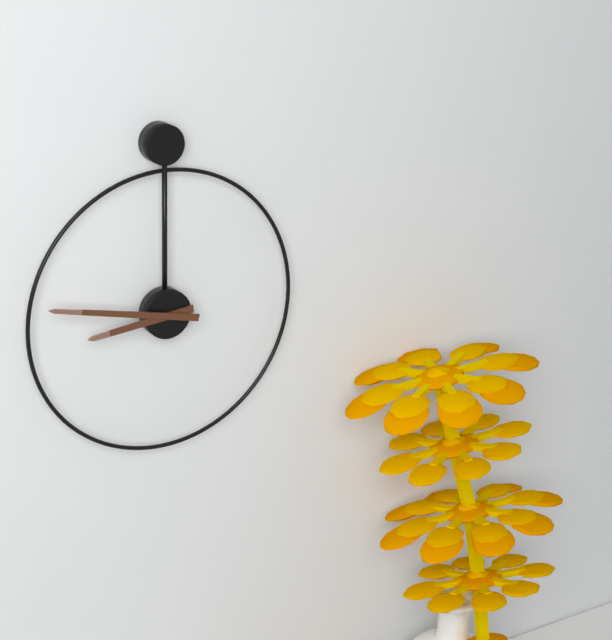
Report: {"hour": 8, "minute": 47}
